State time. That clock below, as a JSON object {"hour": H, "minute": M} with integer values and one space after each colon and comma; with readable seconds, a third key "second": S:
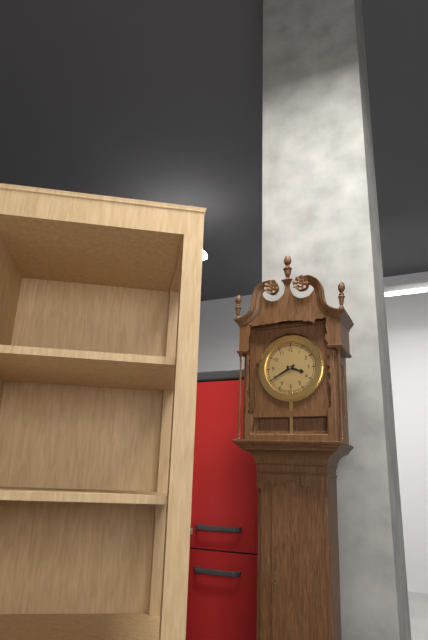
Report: {"hour": 3, "minute": 40}
